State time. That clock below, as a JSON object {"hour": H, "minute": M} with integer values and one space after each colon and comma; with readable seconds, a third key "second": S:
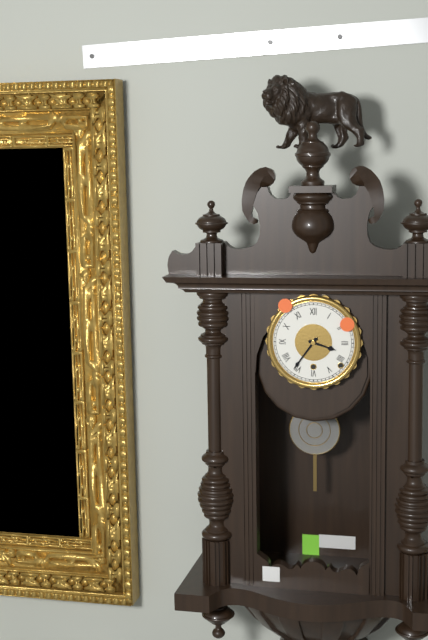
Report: {"hour": 3, "minute": 36}
